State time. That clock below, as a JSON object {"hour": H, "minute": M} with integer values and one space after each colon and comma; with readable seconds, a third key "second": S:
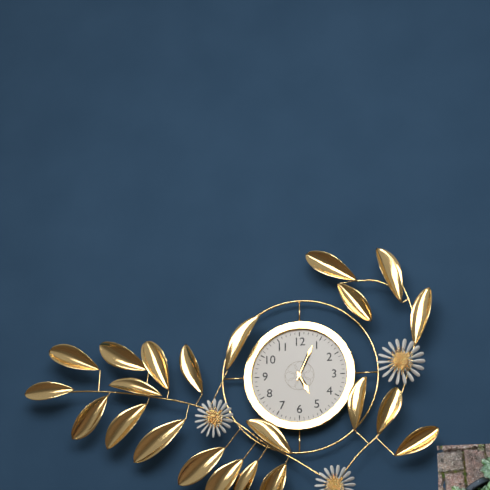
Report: {"hour": 5, "minute": 4}
